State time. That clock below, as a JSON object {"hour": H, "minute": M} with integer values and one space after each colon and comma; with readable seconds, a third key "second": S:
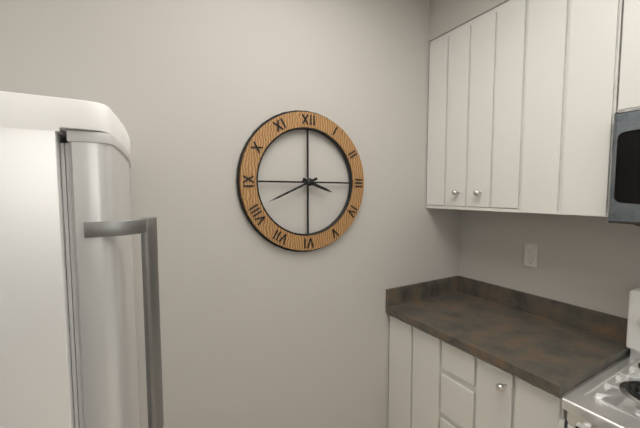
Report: {"hour": 3, "minute": 41}
